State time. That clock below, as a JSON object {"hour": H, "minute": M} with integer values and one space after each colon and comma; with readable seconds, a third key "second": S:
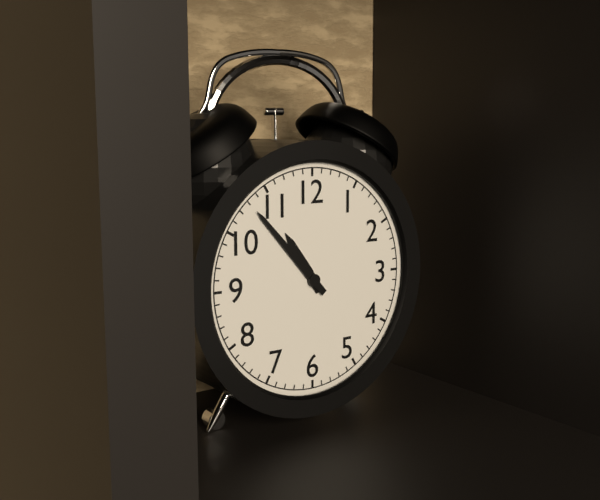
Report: {"hour": 10, "minute": 53}
